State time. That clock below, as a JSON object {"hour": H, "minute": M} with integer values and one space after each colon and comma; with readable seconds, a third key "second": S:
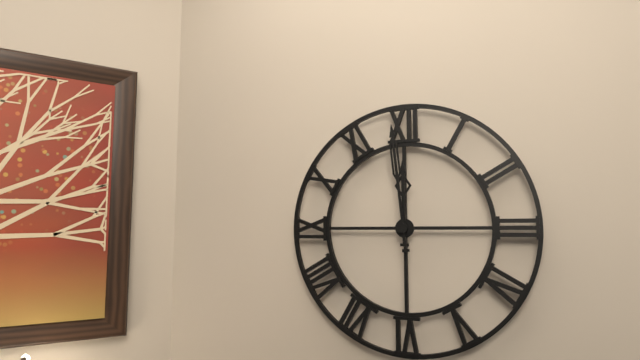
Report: {"hour": 11, "minute": 59}
